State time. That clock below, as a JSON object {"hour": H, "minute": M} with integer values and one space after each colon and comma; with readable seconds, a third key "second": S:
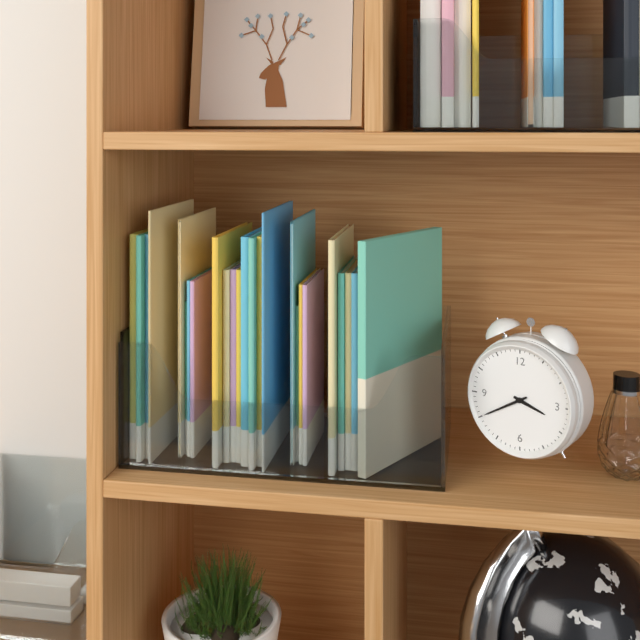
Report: {"hour": 3, "minute": 40}
